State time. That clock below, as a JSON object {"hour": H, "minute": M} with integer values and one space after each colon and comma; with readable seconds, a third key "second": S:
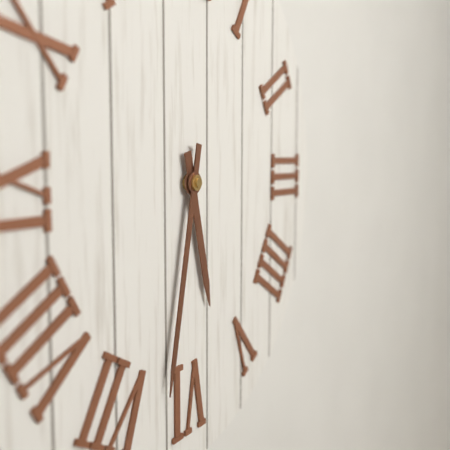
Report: {"hour": 5, "minute": 32}
